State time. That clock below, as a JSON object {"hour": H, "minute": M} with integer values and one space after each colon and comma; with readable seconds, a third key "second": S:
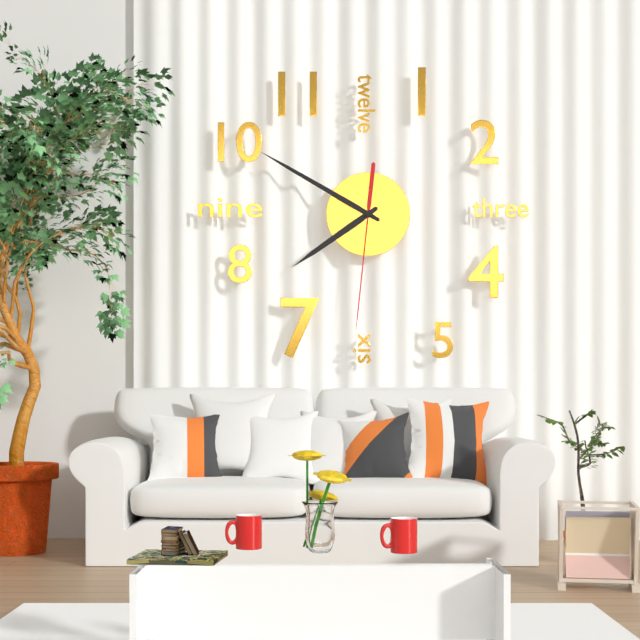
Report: {"hour": 7, "minute": 50, "second": 31}
